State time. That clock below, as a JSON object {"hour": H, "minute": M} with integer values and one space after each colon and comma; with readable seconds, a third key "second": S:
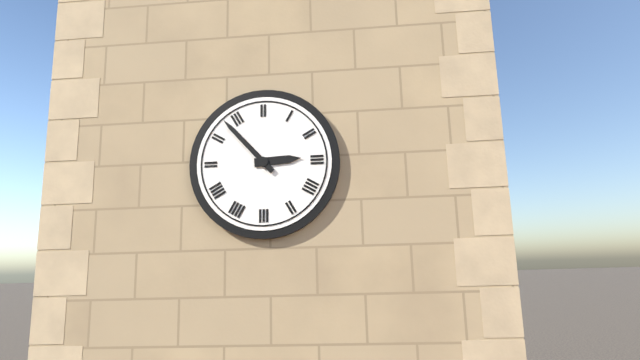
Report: {"hour": 2, "minute": 53}
